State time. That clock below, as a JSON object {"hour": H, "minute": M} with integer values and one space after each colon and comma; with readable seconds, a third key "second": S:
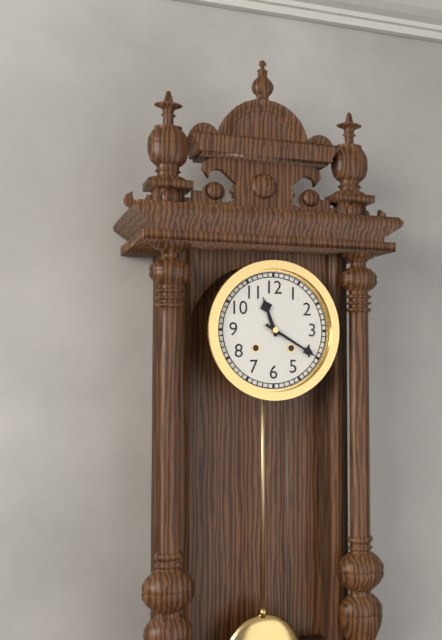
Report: {"hour": 11, "minute": 20}
